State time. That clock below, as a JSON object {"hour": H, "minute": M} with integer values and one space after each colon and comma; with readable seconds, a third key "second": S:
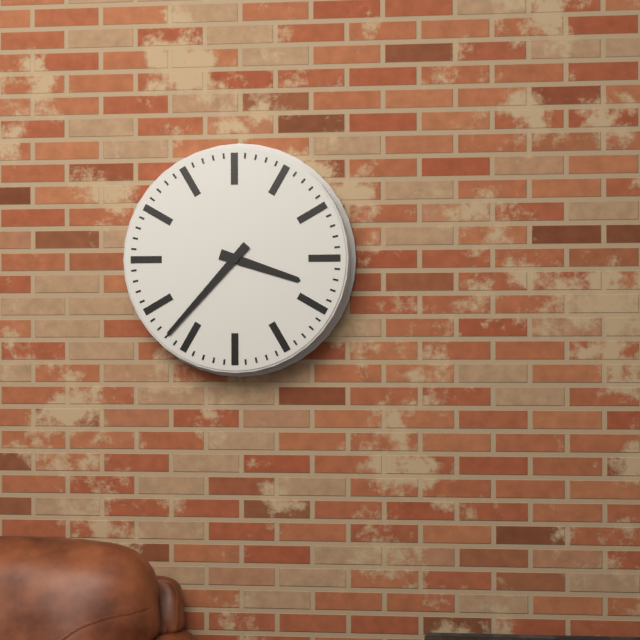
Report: {"hour": 3, "minute": 37}
